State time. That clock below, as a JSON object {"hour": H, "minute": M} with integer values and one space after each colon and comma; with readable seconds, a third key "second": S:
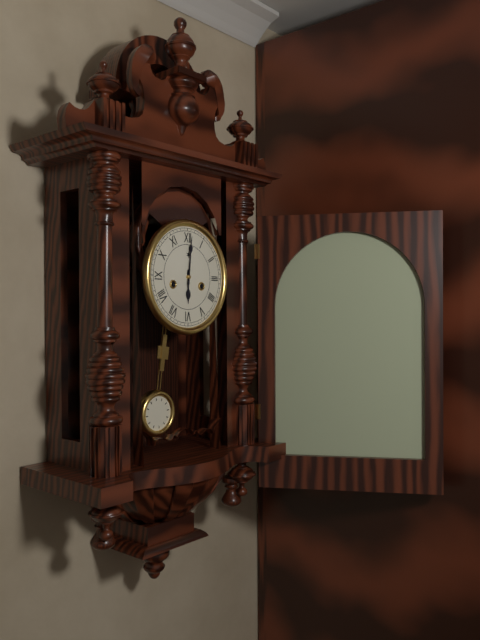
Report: {"hour": 6, "minute": 1}
